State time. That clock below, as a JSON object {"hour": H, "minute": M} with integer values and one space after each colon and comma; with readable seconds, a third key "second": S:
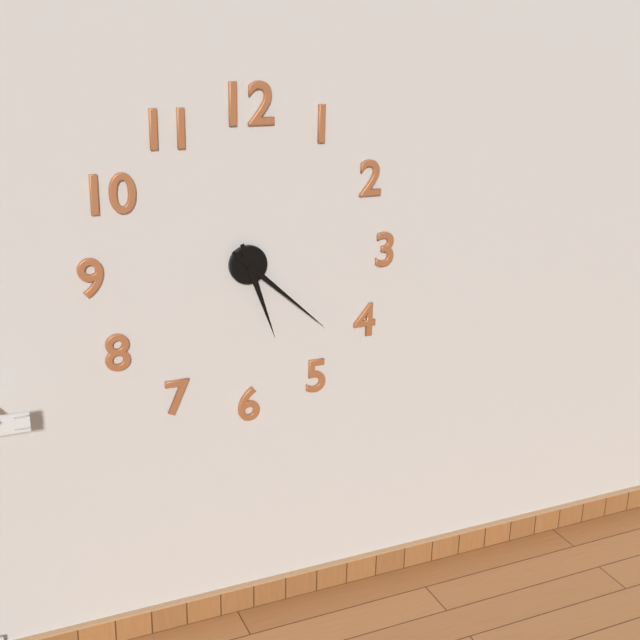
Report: {"hour": 5, "minute": 22}
